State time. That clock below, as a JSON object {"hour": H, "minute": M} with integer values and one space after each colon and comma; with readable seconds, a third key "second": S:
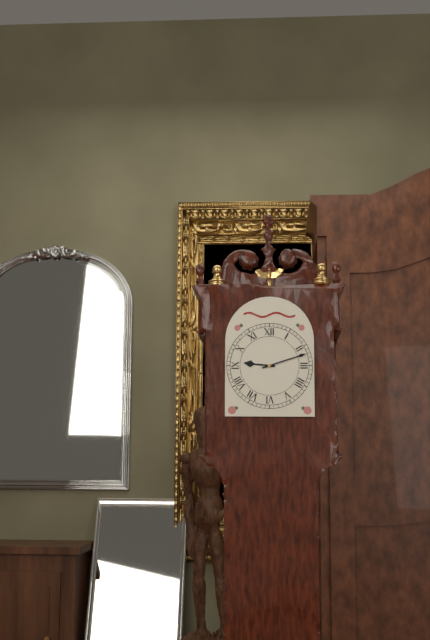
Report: {"hour": 9, "minute": 12}
